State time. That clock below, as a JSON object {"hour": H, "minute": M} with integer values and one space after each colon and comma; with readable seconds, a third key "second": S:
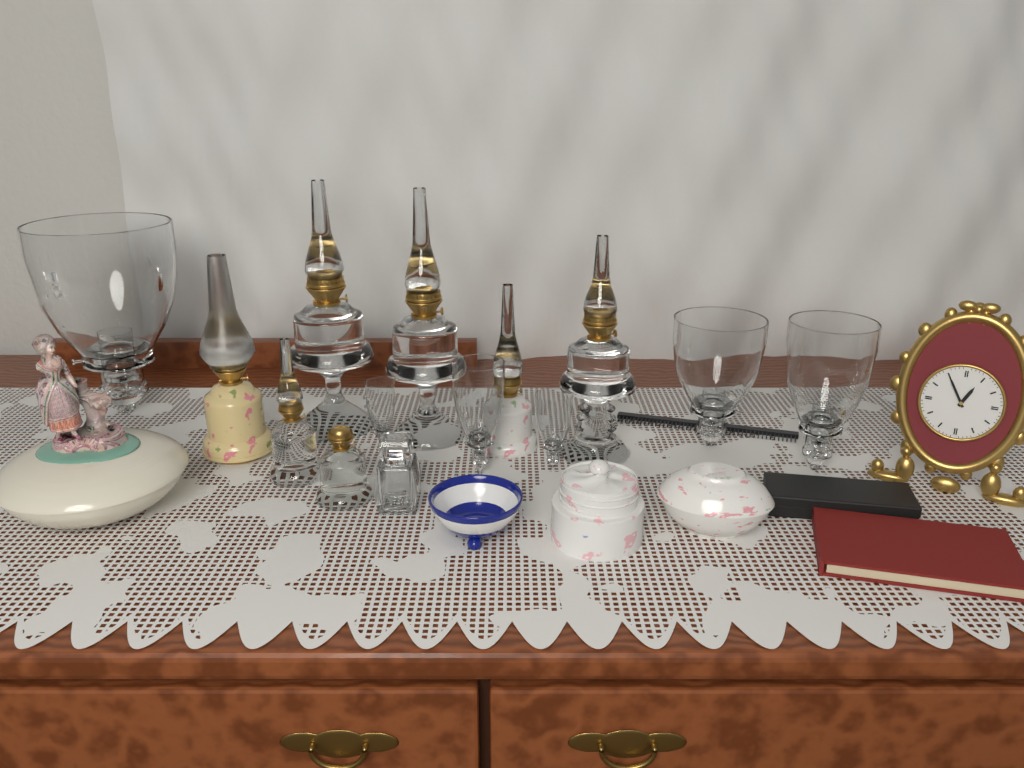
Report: {"hour": 12, "minute": 55}
